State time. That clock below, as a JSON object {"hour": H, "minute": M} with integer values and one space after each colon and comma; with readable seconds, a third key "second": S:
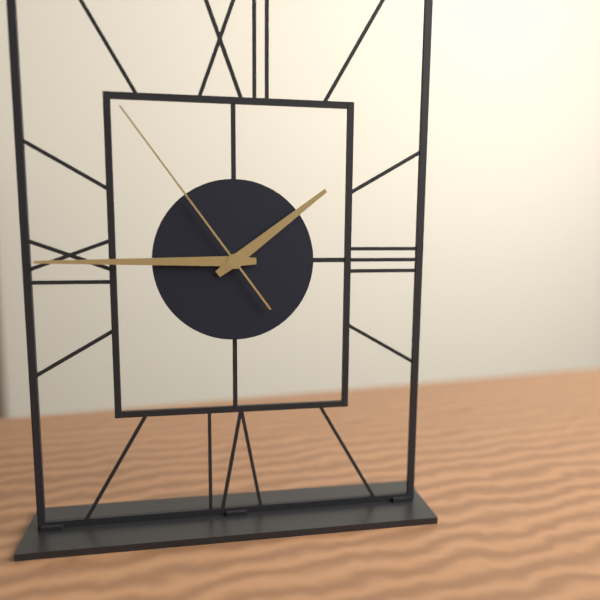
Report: {"hour": 1, "minute": 45, "second": 54}
